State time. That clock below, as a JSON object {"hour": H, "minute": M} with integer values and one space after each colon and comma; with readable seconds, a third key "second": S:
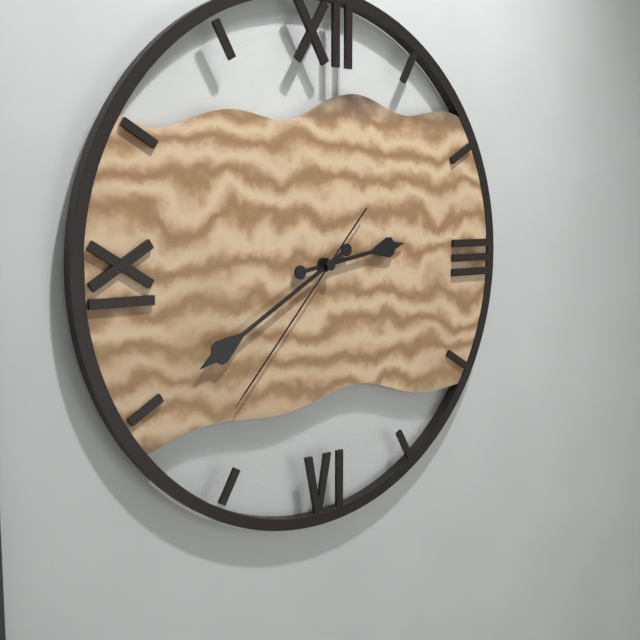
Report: {"hour": 2, "minute": 40, "second": 37}
